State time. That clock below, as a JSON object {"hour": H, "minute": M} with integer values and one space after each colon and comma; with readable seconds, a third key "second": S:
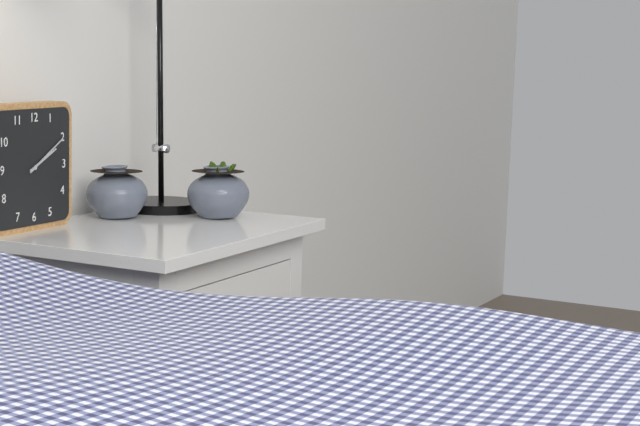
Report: {"hour": 2, "minute": 10}
